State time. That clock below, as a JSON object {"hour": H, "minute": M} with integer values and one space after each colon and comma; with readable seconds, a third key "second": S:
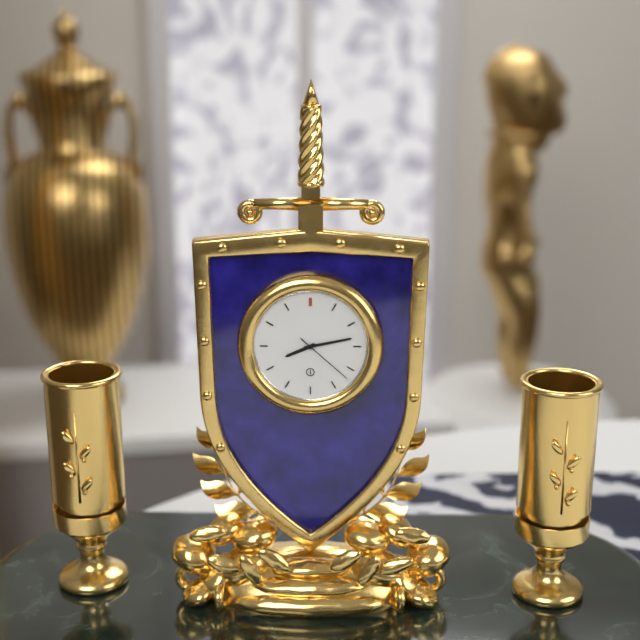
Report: {"hour": 8, "minute": 13, "second": 22}
